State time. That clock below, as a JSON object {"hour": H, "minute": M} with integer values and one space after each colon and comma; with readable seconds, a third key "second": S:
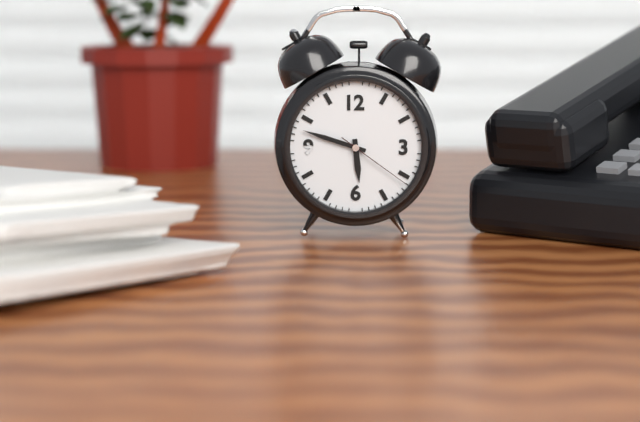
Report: {"hour": 5, "minute": 48, "second": 21}
